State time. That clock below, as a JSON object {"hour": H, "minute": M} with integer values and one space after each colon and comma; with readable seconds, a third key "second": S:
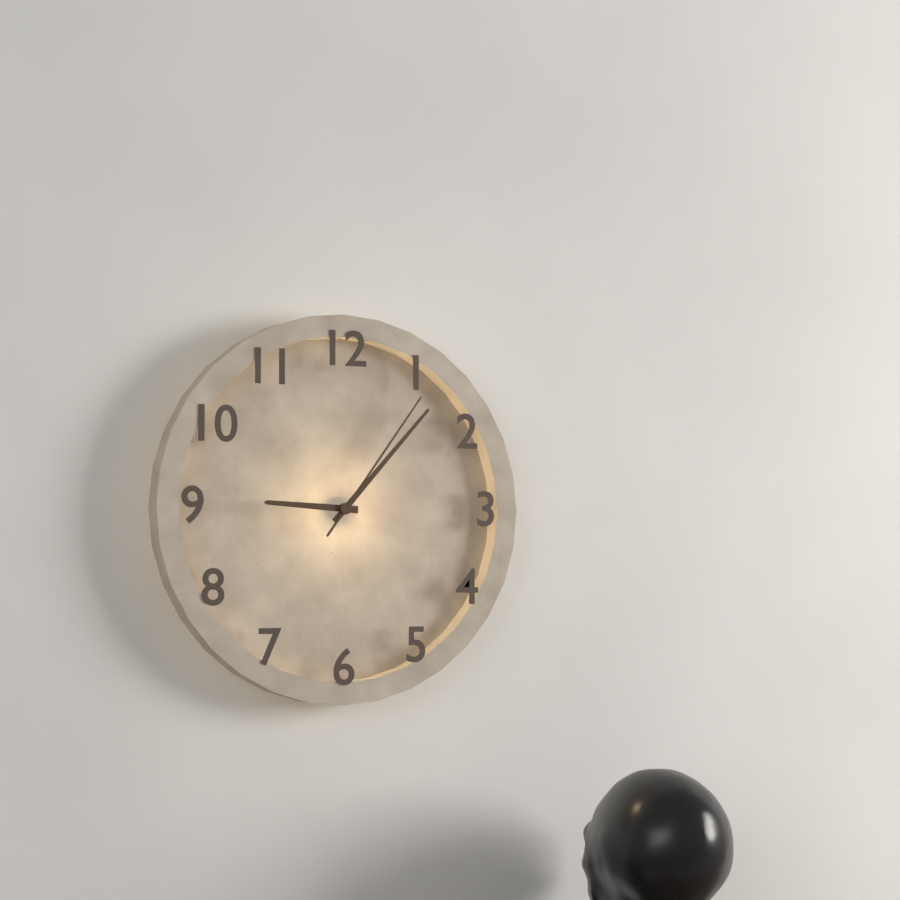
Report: {"hour": 9, "minute": 7, "second": 6}
